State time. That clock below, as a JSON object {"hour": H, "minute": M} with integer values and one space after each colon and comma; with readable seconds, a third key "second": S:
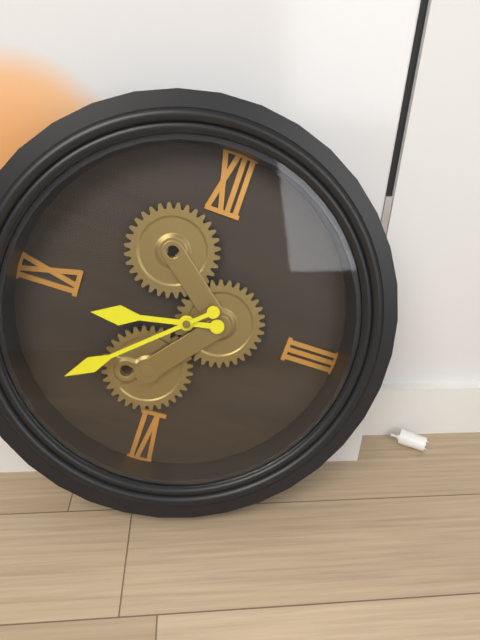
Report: {"hour": 8, "minute": 38}
